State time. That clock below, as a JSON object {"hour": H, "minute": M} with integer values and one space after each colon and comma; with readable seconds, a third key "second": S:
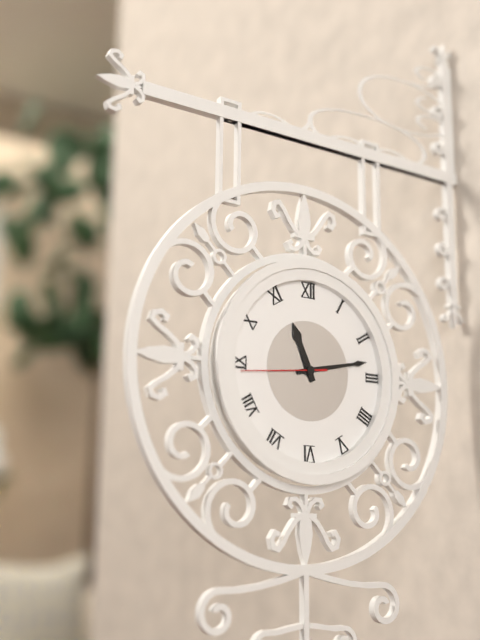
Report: {"hour": 11, "minute": 13, "second": 44}
